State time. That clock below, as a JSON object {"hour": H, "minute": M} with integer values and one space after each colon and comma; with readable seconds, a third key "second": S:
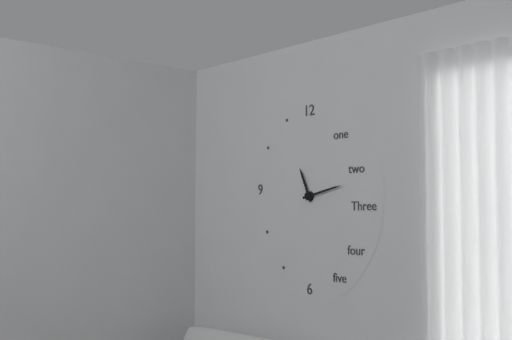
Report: {"hour": 11, "minute": 13}
